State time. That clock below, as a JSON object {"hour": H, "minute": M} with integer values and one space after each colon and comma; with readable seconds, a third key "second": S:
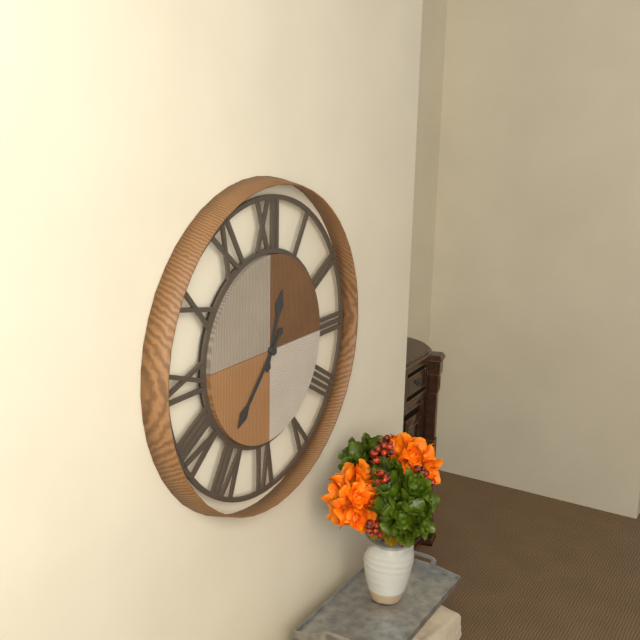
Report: {"hour": 12, "minute": 37}
